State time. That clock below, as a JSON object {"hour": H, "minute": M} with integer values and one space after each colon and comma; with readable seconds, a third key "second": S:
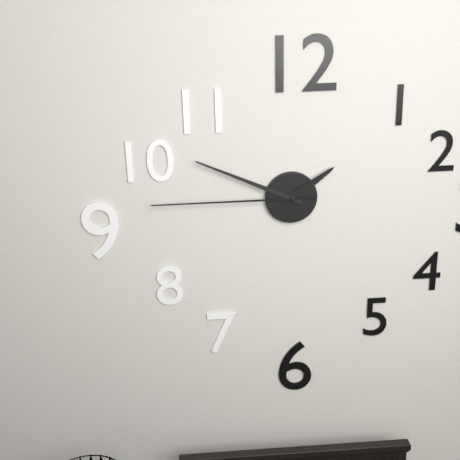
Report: {"hour": 1, "minute": 49, "second": 45}
